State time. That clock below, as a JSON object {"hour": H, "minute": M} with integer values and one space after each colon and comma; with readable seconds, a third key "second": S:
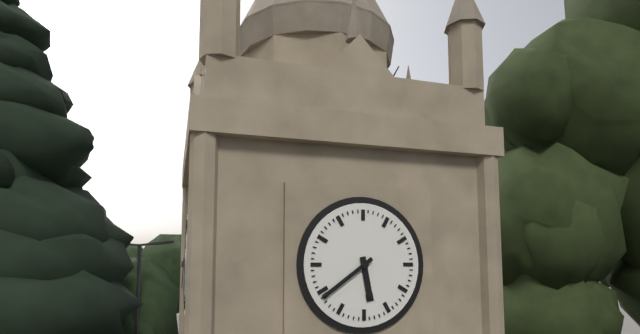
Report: {"hour": 5, "minute": 39}
